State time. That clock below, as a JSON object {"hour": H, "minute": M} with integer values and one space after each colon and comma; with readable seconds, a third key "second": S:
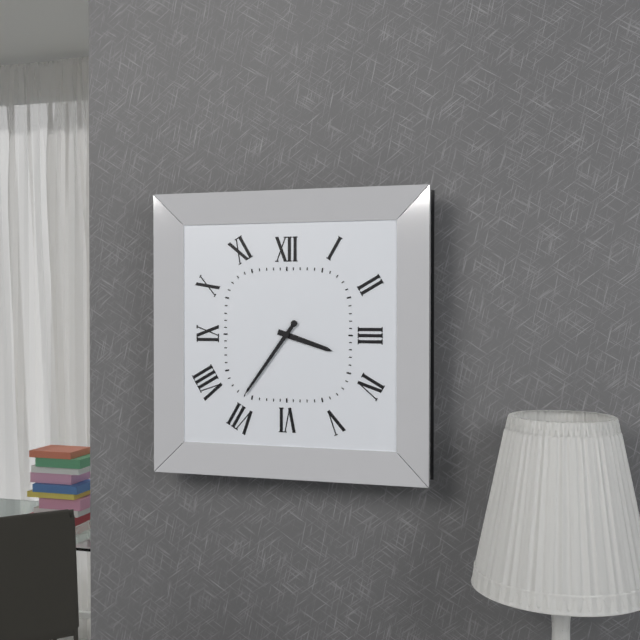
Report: {"hour": 3, "minute": 36}
